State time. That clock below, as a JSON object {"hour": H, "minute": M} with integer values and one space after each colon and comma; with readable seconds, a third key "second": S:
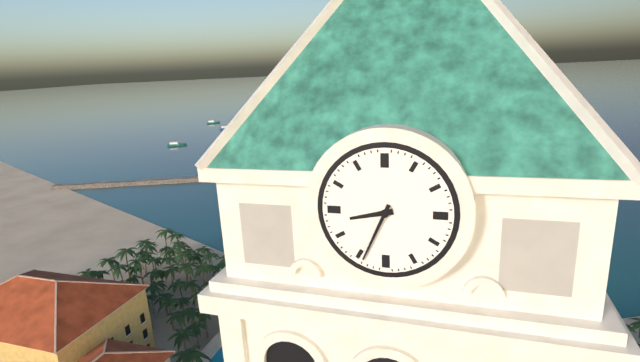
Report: {"hour": 8, "minute": 34}
